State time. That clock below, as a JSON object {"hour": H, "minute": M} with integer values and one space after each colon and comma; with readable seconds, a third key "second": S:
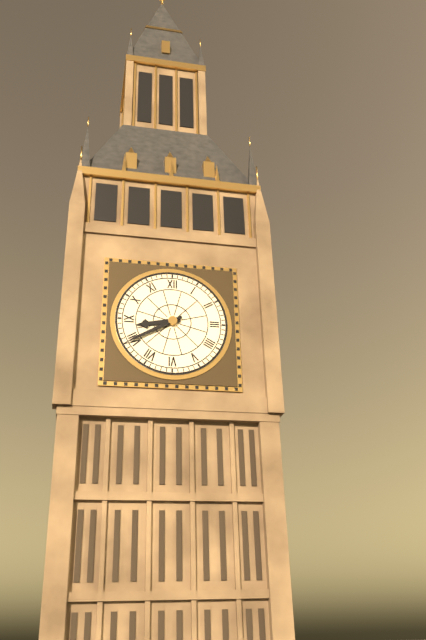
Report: {"hour": 8, "minute": 40}
